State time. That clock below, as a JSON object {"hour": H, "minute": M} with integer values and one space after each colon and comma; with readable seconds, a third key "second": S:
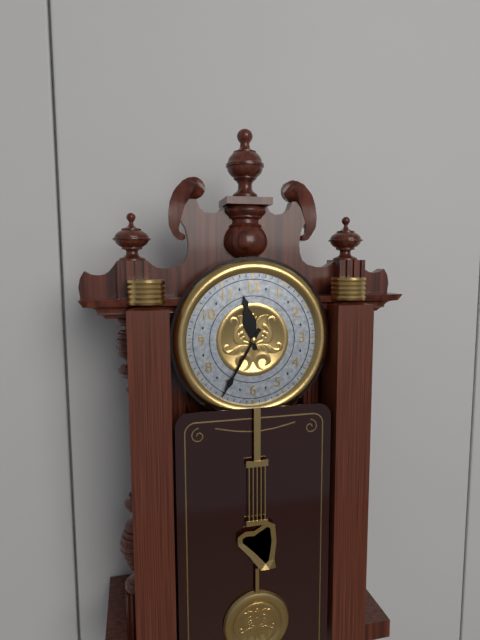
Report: {"hour": 11, "minute": 35}
